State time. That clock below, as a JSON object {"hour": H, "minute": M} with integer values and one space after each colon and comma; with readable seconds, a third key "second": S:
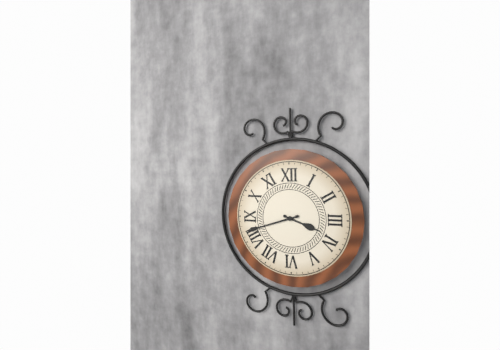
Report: {"hour": 3, "minute": 42}
